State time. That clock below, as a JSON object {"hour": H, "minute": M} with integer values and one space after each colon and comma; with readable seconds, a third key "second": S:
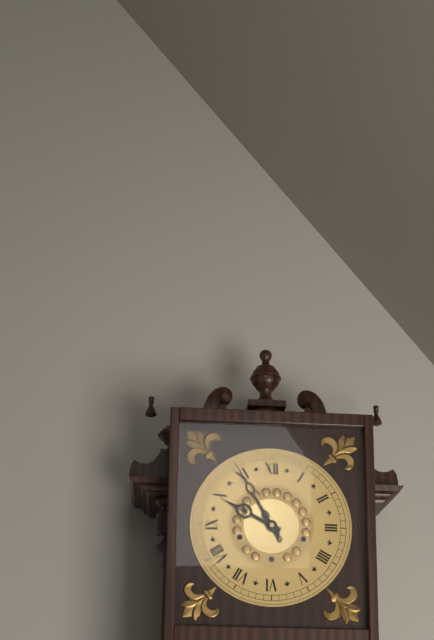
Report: {"hour": 9, "minute": 55}
